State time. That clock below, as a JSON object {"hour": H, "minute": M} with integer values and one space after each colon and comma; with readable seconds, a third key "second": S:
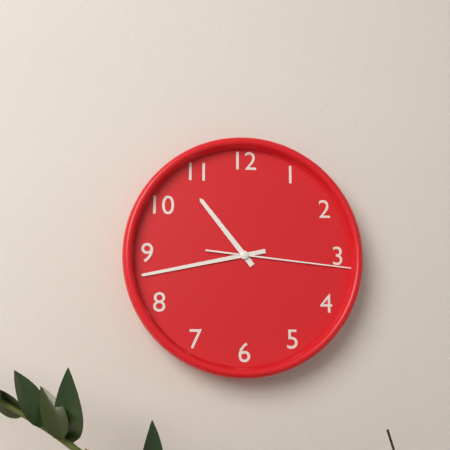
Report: {"hour": 10, "minute": 43, "second": 16}
